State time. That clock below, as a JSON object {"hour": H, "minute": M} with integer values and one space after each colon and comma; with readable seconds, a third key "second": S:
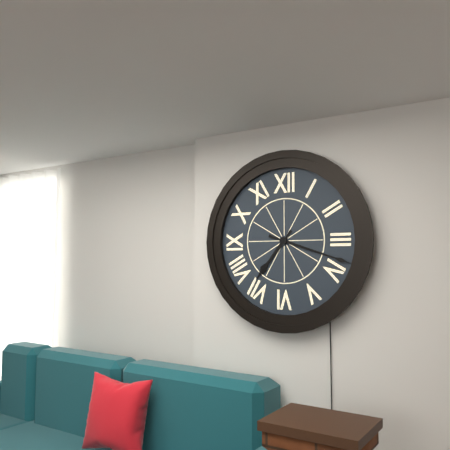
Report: {"hour": 7, "minute": 18}
